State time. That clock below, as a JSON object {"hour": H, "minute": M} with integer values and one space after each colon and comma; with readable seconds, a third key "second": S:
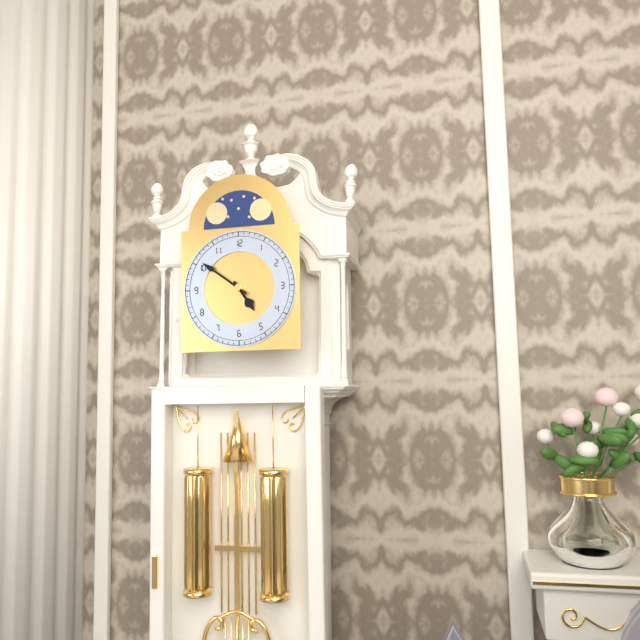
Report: {"hour": 4, "minute": 51}
